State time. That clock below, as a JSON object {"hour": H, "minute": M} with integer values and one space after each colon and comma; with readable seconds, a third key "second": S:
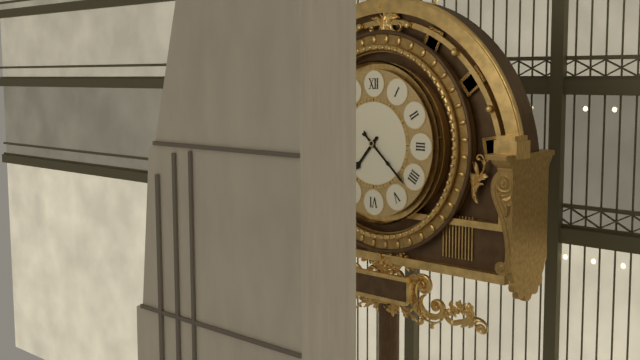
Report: {"hour": 7, "minute": 22}
